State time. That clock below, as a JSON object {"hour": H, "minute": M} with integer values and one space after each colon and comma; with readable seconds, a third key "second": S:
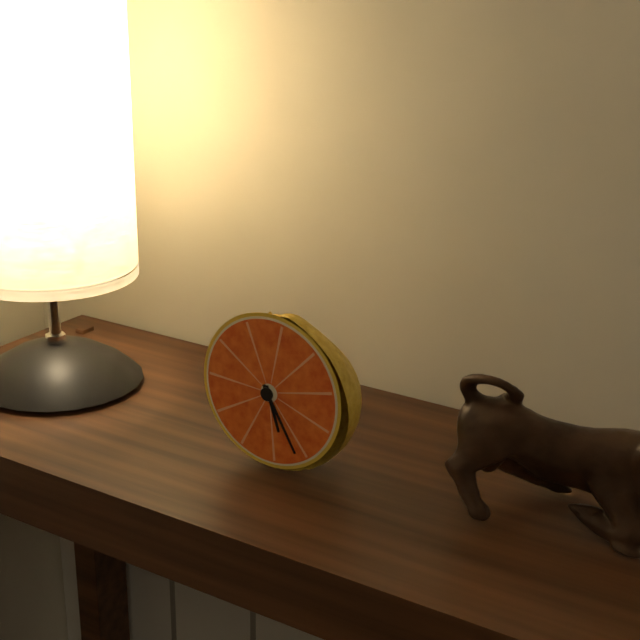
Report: {"hour": 5, "minute": 25}
